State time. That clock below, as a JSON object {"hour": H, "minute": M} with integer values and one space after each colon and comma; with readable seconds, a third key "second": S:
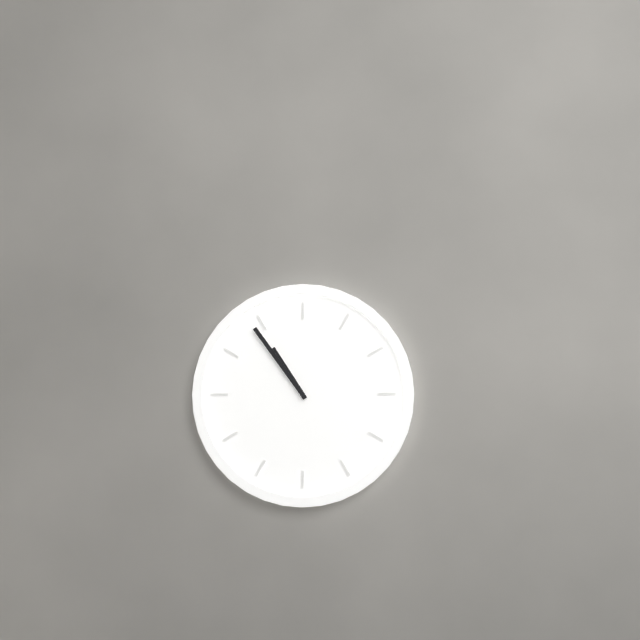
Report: {"hour": 10, "minute": 54}
